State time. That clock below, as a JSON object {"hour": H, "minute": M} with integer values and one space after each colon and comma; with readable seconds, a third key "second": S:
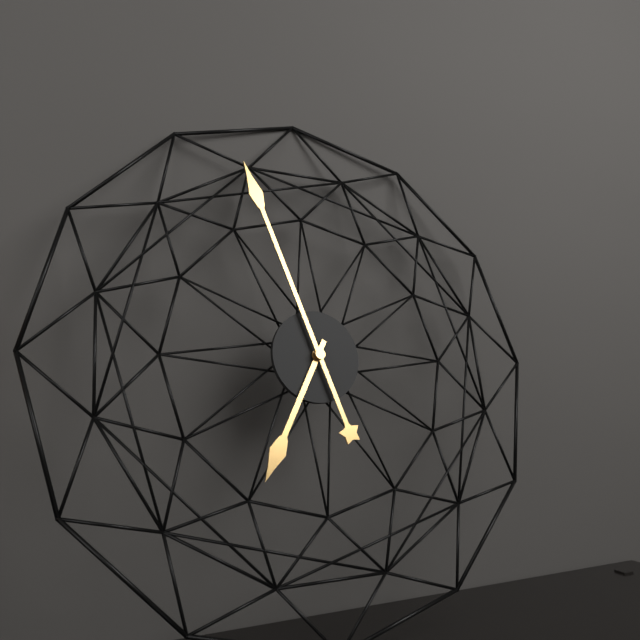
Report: {"hour": 6, "minute": 57}
